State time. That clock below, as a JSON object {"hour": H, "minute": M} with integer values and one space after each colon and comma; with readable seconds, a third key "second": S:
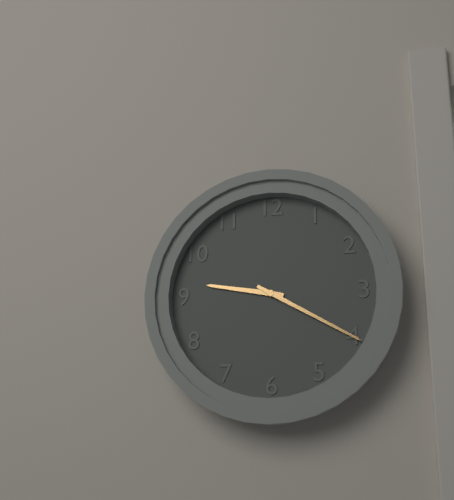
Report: {"hour": 9, "minute": 20}
